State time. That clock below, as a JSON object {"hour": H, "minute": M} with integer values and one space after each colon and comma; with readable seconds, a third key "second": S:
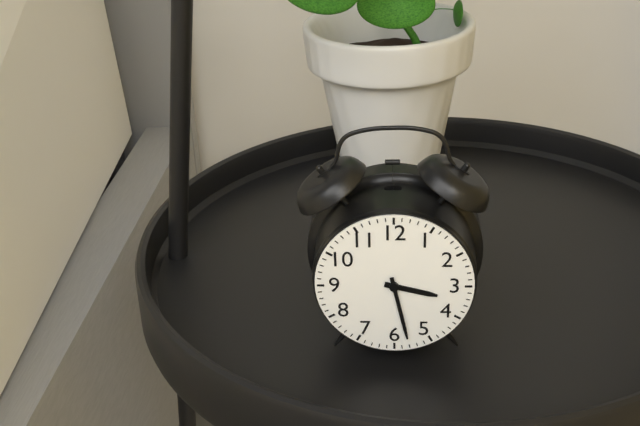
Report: {"hour": 3, "minute": 28}
